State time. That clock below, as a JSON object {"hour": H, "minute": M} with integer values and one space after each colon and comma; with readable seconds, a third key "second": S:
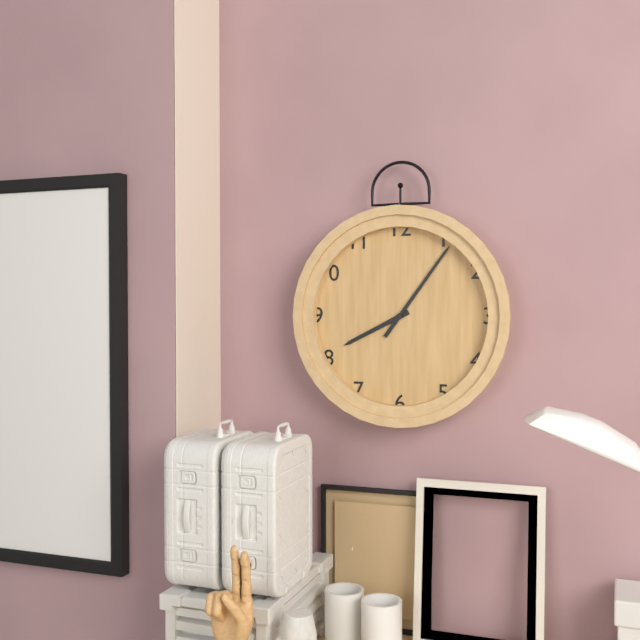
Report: {"hour": 8, "minute": 6}
